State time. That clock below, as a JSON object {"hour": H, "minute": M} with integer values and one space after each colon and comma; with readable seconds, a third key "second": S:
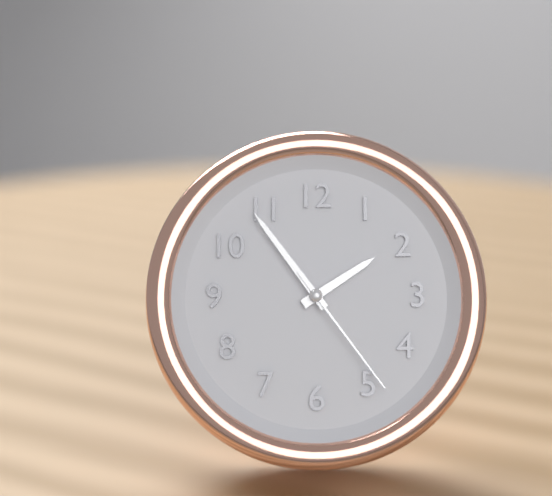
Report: {"hour": 1, "minute": 54, "second": 24}
